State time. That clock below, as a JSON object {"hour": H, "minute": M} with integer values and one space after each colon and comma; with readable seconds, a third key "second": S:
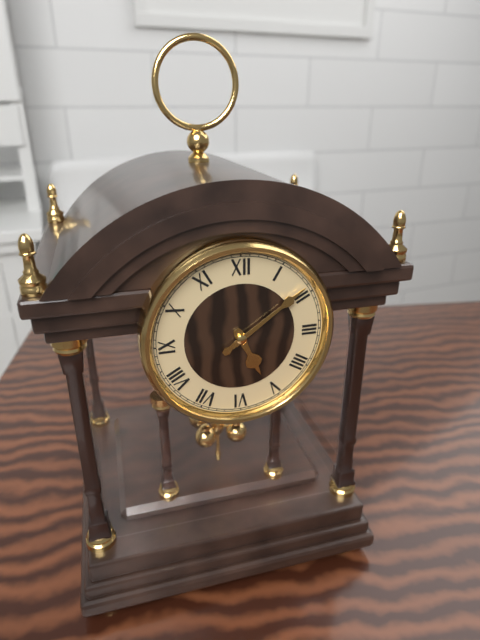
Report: {"hour": 5, "minute": 9}
